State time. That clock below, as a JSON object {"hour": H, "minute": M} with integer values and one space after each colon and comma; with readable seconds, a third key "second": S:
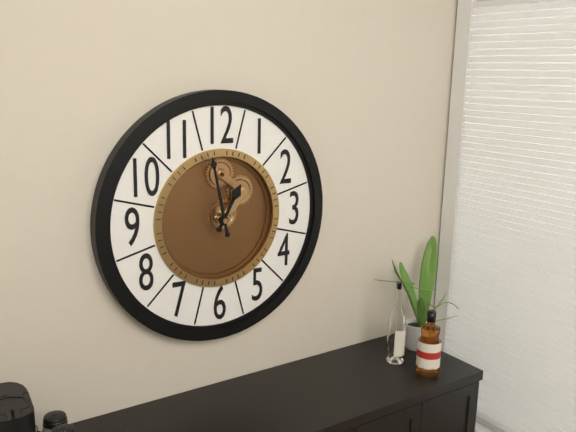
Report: {"hour": 12, "minute": 58}
